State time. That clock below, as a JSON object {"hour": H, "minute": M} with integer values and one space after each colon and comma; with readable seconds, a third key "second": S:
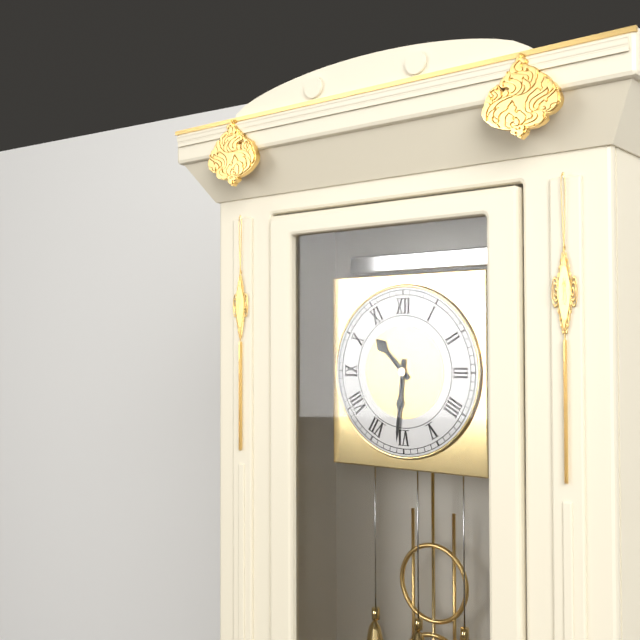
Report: {"hour": 10, "minute": 31}
